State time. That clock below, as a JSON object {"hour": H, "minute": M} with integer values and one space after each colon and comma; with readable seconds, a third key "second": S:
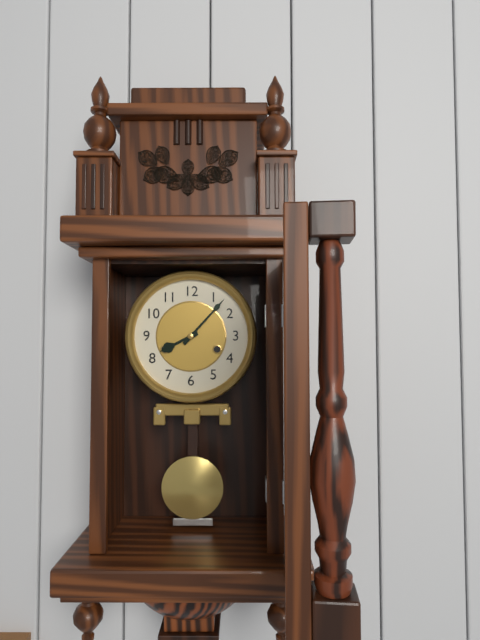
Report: {"hour": 8, "minute": 7}
